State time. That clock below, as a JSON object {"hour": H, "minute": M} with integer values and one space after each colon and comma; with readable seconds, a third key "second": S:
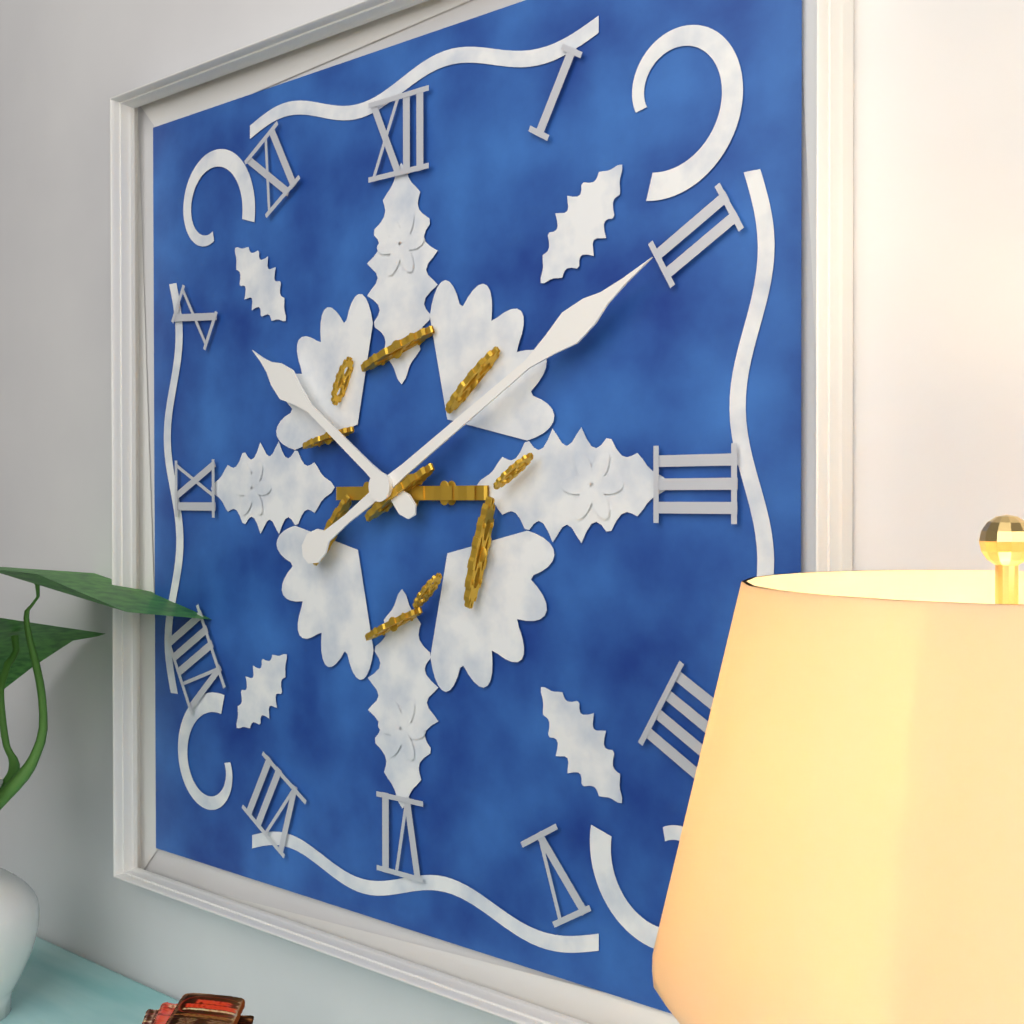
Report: {"hour": 10, "minute": 10}
